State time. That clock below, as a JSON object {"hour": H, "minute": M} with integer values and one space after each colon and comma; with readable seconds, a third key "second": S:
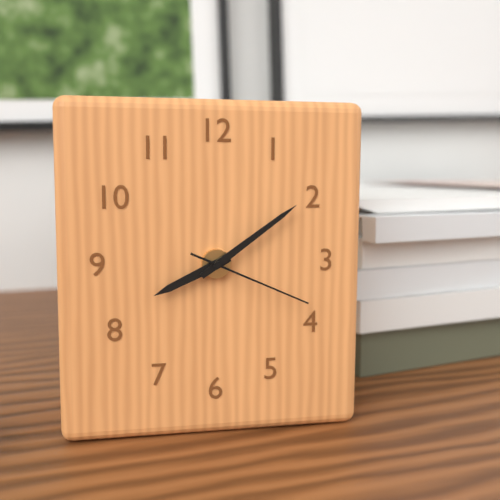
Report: {"hour": 8, "minute": 9, "second": 19}
